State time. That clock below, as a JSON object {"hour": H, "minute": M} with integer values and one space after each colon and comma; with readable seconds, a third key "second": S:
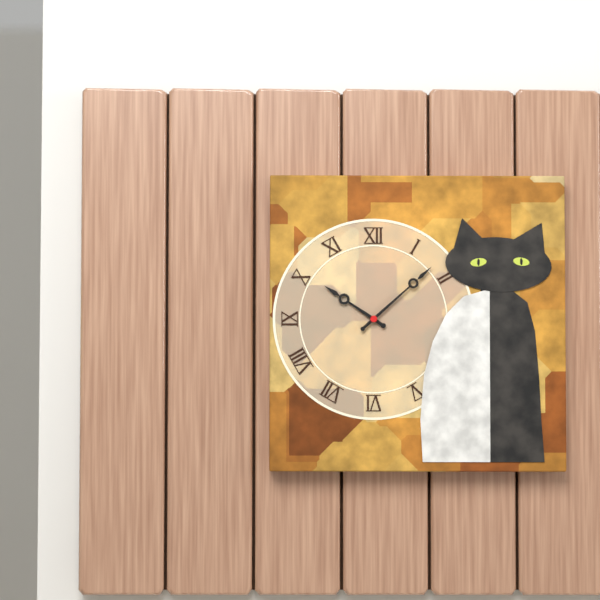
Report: {"hour": 10, "minute": 8}
